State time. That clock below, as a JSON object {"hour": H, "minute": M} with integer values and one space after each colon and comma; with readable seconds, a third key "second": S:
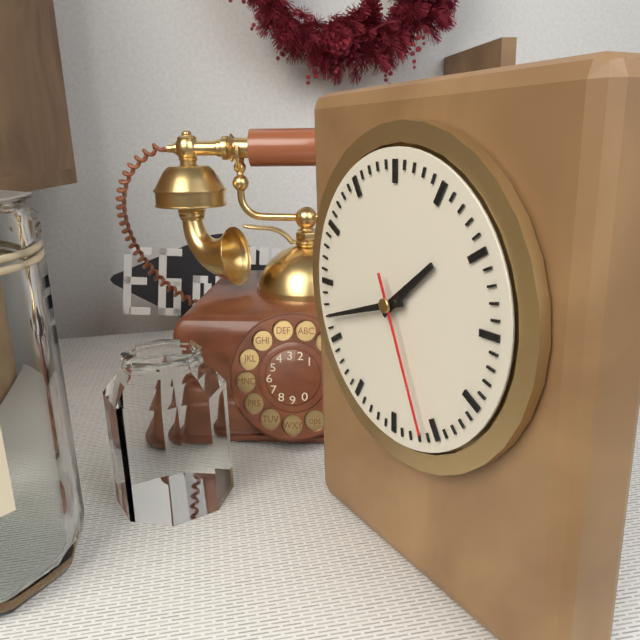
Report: {"hour": 1, "minute": 42, "second": 26}
